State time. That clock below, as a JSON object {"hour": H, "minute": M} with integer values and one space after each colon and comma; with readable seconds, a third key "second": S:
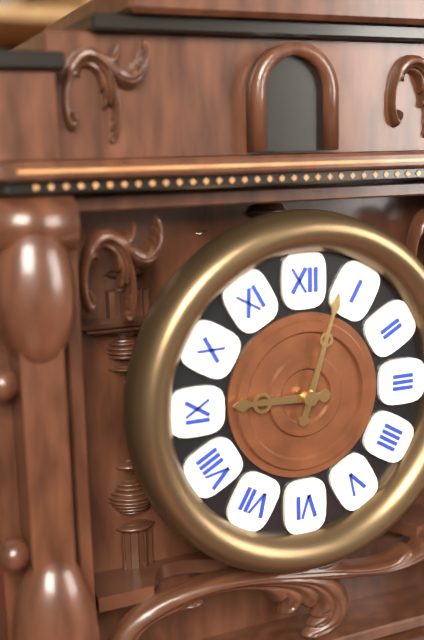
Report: {"hour": 9, "minute": 3}
